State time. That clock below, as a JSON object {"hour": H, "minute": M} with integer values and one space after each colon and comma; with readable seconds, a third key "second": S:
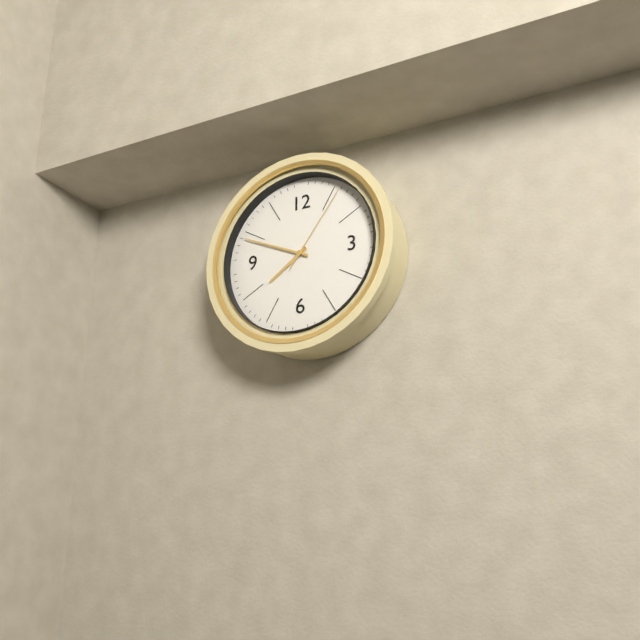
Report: {"hour": 7, "minute": 49, "second": 6}
